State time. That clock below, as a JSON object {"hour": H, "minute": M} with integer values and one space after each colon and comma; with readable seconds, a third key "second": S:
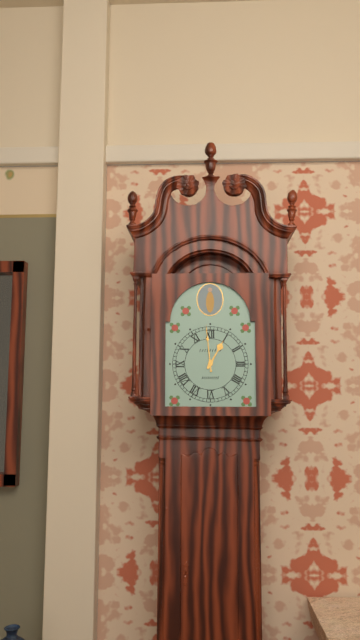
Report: {"hour": 12, "minute": 59}
